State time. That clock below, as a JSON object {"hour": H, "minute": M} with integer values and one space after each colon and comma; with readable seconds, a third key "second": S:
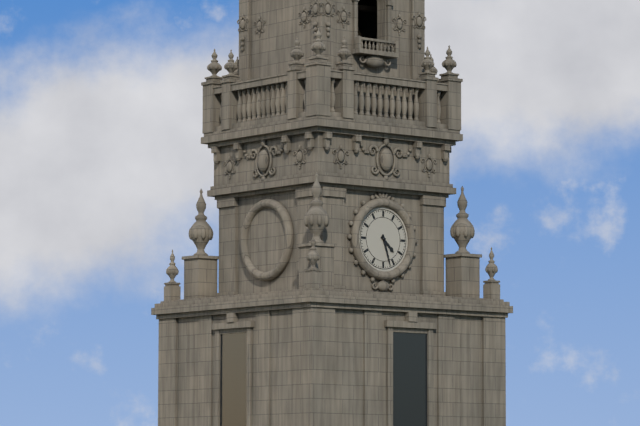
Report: {"hour": 4, "minute": 27}
